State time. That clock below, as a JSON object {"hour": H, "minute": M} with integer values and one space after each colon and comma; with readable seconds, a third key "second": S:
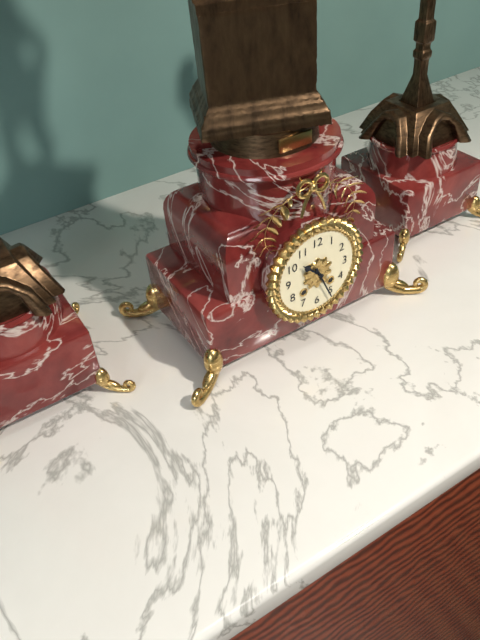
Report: {"hour": 10, "minute": 26}
